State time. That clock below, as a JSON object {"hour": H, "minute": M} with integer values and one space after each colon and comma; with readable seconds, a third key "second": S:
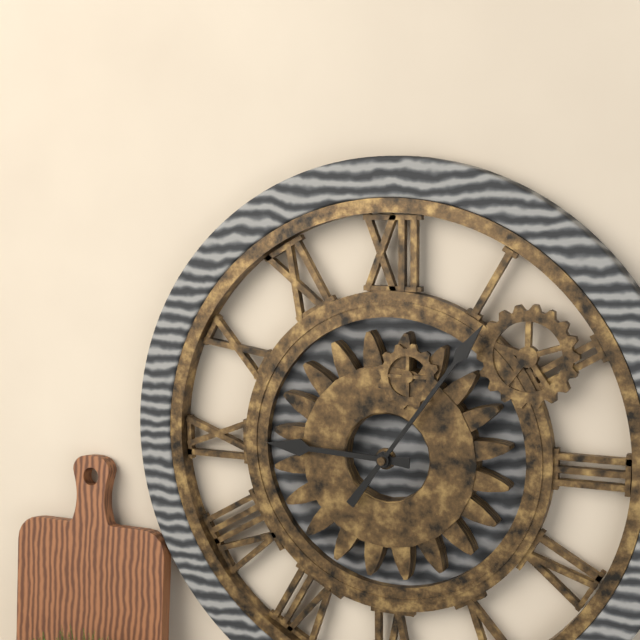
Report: {"hour": 9, "minute": 6}
